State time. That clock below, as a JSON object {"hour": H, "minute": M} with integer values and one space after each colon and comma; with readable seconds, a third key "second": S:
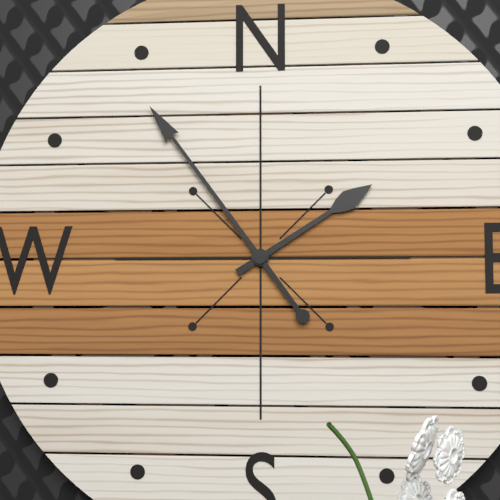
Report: {"hour": 1, "minute": 54}
